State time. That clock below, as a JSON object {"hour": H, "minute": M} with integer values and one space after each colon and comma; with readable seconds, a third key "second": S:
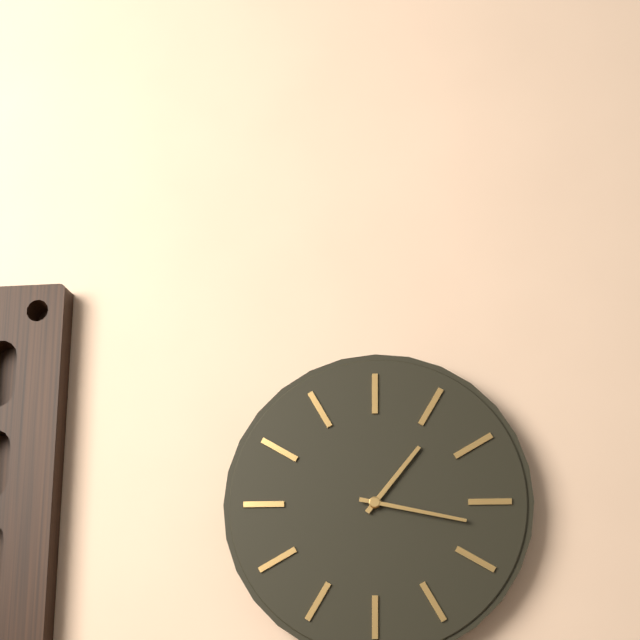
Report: {"hour": 1, "minute": 17}
